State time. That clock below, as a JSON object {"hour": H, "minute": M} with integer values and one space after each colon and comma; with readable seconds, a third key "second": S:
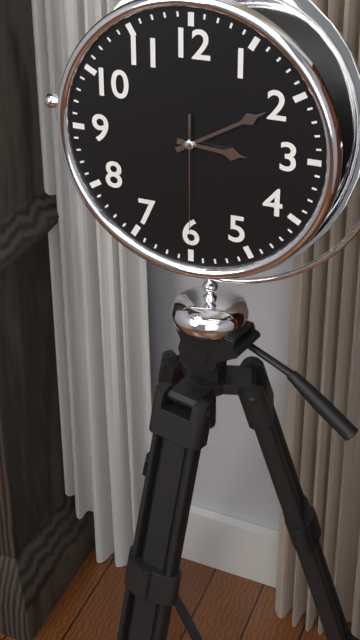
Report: {"hour": 3, "minute": 10, "second": 30}
